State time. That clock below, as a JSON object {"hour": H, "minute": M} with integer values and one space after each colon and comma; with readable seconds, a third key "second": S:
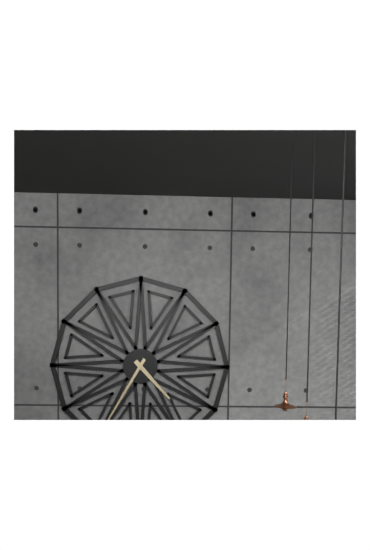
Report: {"hour": 4, "minute": 35}
